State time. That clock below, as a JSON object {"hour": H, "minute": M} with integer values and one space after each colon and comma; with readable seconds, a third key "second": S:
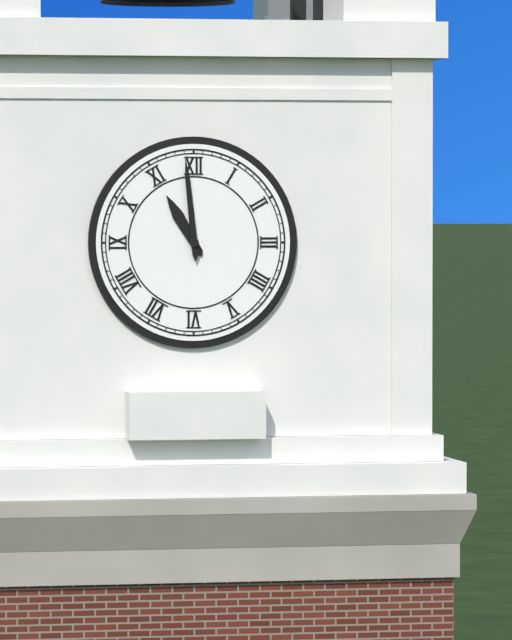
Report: {"hour": 10, "minute": 59}
